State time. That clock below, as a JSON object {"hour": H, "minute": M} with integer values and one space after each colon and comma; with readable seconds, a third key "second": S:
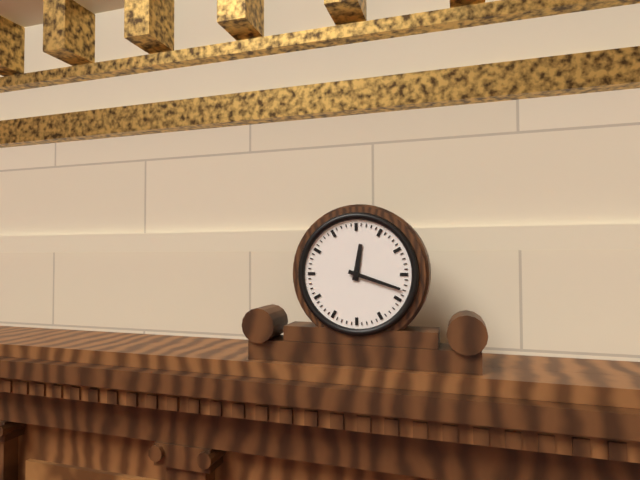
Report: {"hour": 12, "minute": 18}
